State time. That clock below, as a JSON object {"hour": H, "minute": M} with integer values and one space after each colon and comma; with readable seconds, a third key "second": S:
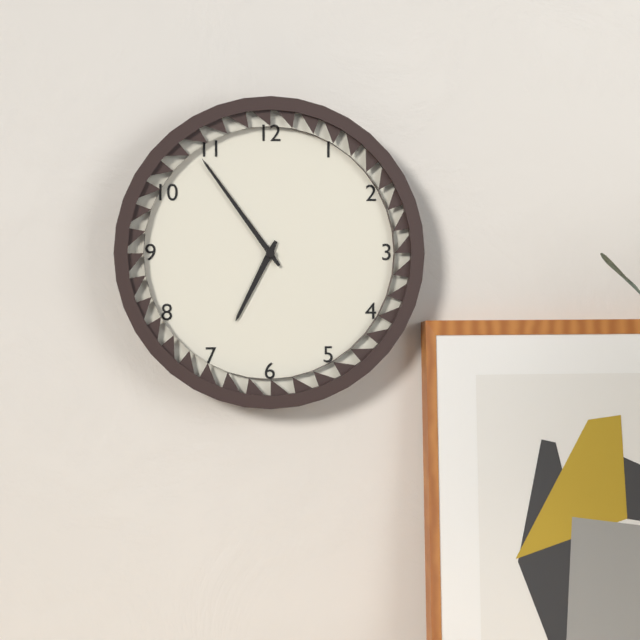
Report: {"hour": 6, "minute": 54}
